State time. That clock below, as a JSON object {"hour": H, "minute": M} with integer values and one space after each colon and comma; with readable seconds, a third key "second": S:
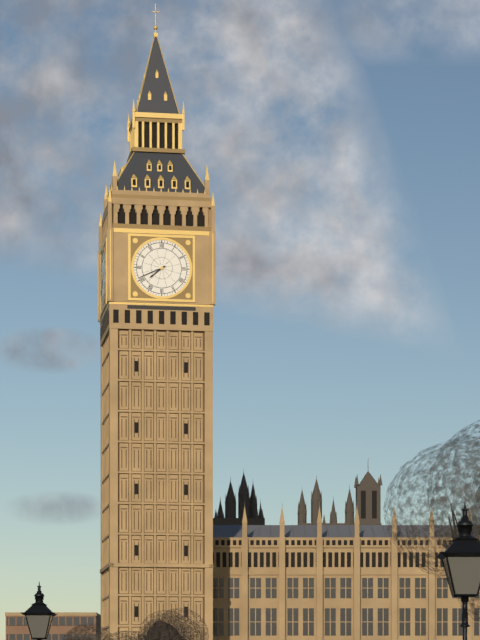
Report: {"hour": 7, "minute": 41}
